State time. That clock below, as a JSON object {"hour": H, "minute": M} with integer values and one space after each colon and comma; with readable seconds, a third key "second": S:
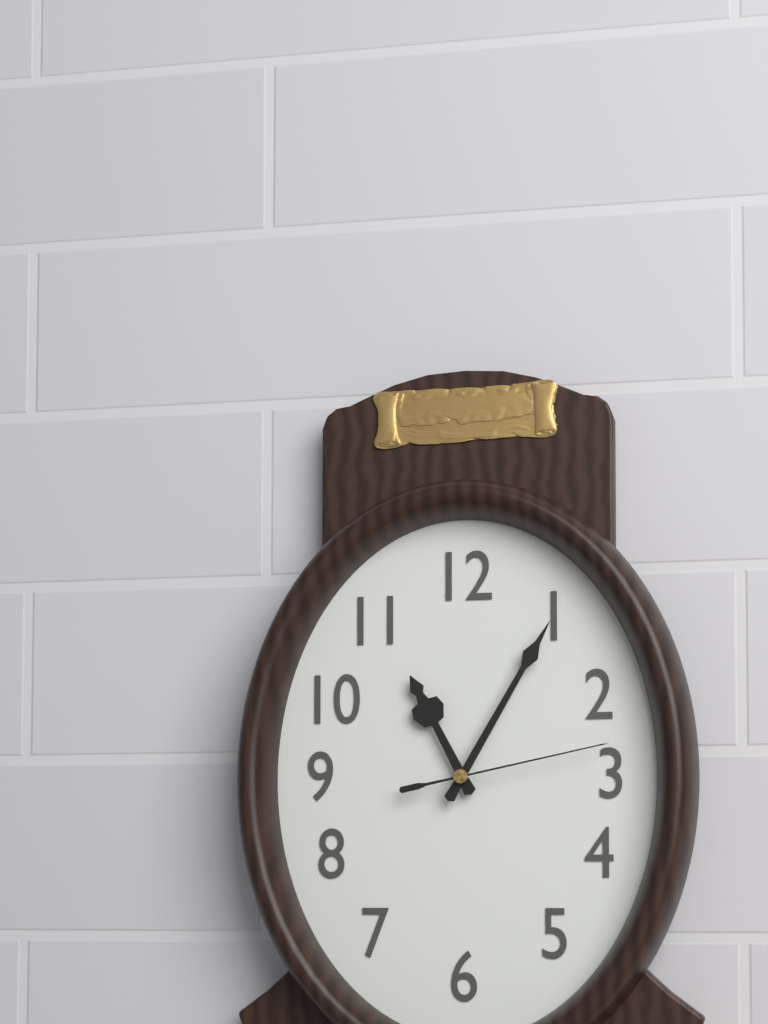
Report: {"hour": 11, "minute": 5, "second": 13}
